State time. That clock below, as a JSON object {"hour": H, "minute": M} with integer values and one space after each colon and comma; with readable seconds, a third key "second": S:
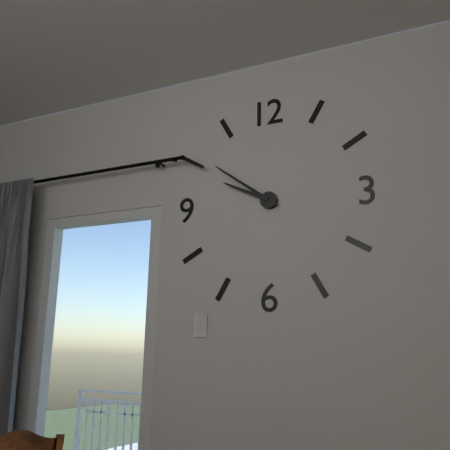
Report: {"hour": 9, "minute": 51}
